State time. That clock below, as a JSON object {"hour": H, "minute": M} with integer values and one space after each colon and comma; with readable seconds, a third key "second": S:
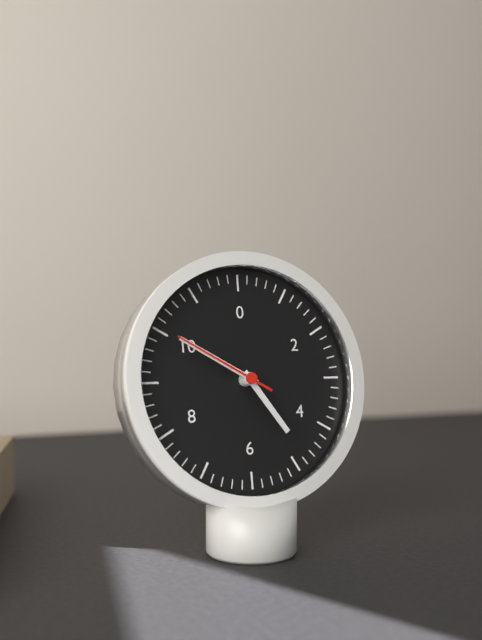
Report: {"hour": 4, "minute": 50, "second": 50}
